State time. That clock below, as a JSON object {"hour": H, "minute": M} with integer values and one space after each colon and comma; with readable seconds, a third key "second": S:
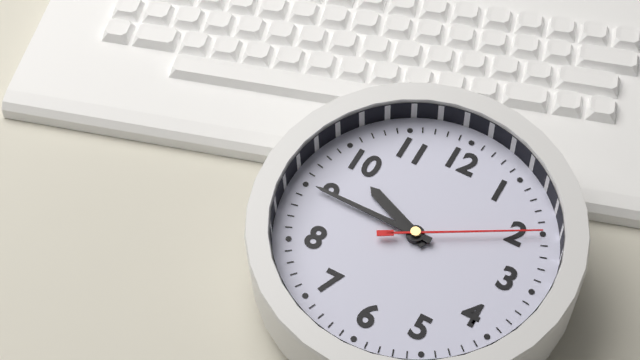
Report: {"hour": 9, "minute": 45, "second": 10}
